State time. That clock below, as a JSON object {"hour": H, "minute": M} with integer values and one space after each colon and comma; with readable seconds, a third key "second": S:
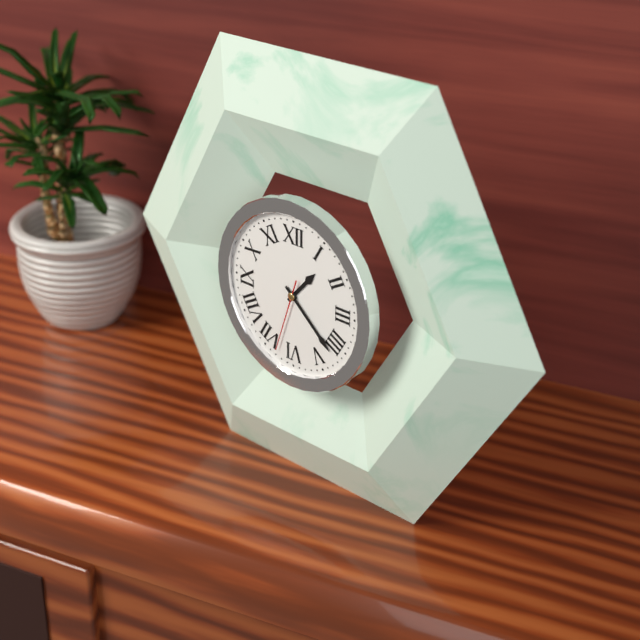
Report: {"hour": 1, "minute": 22, "second": 33}
